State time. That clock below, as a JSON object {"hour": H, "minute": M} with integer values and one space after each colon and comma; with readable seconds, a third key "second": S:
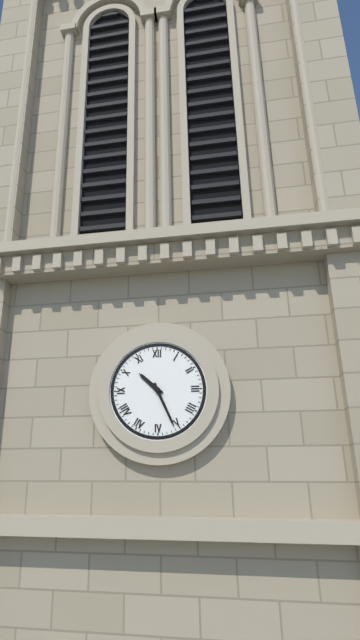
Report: {"hour": 10, "minute": 26}
